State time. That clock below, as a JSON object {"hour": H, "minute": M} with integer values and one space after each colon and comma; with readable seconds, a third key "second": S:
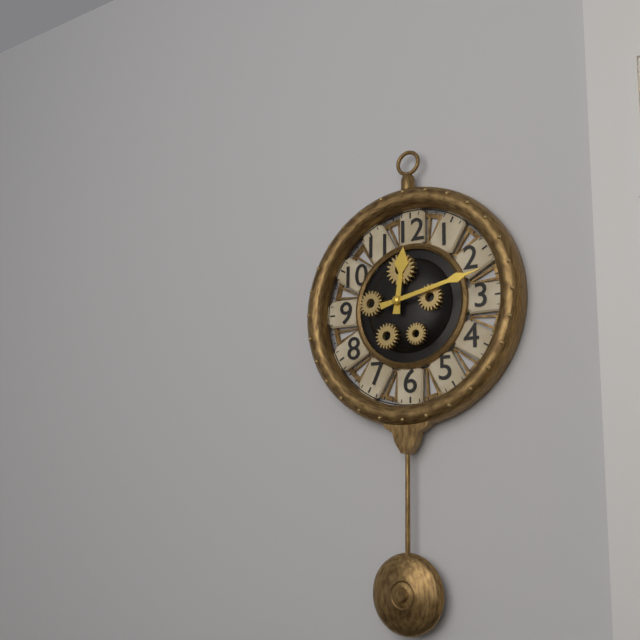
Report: {"hour": 12, "minute": 13}
